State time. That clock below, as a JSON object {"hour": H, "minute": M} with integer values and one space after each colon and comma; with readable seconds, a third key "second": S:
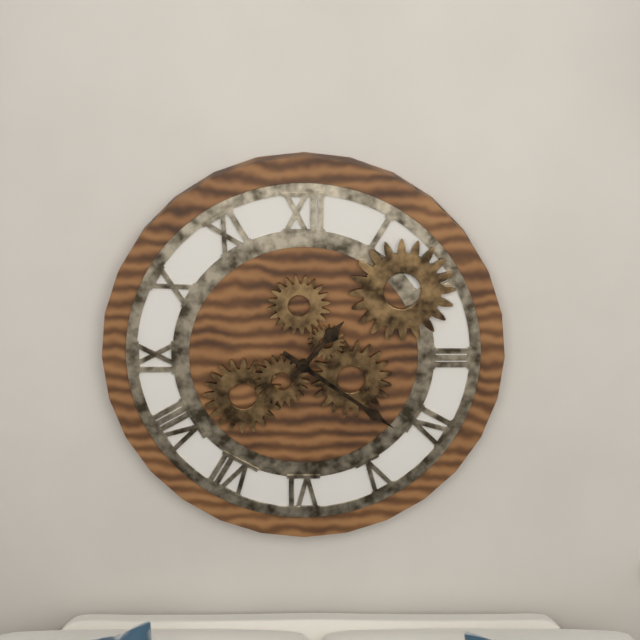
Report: {"hour": 1, "minute": 21}
